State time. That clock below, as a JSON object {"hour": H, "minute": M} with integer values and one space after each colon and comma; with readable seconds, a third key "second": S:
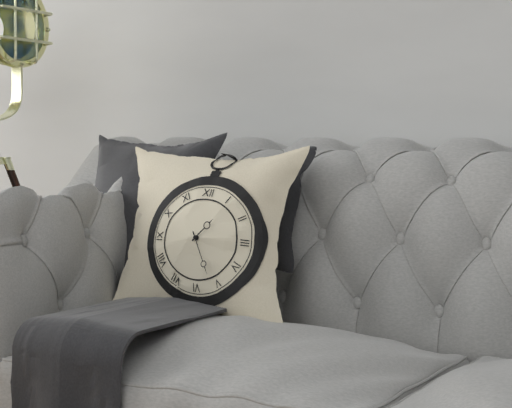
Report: {"hour": 1, "minute": 25}
